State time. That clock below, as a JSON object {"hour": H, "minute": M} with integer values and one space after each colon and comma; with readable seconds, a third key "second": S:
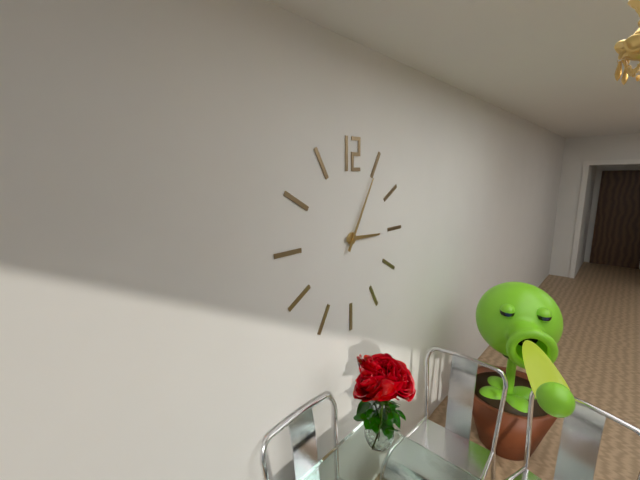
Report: {"hour": 3, "minute": 5}
